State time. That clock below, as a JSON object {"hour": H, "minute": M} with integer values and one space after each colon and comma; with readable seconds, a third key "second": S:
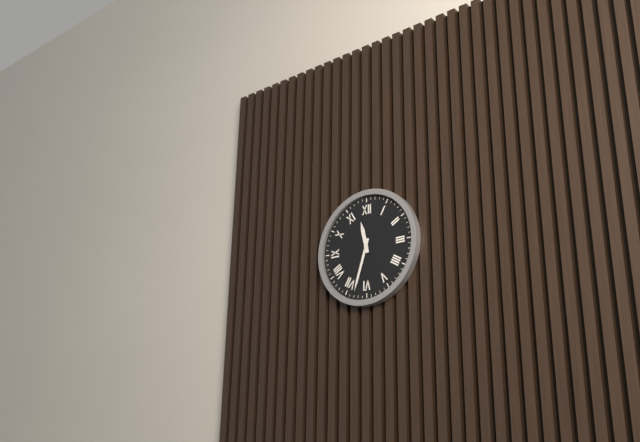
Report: {"hour": 11, "minute": 33}
